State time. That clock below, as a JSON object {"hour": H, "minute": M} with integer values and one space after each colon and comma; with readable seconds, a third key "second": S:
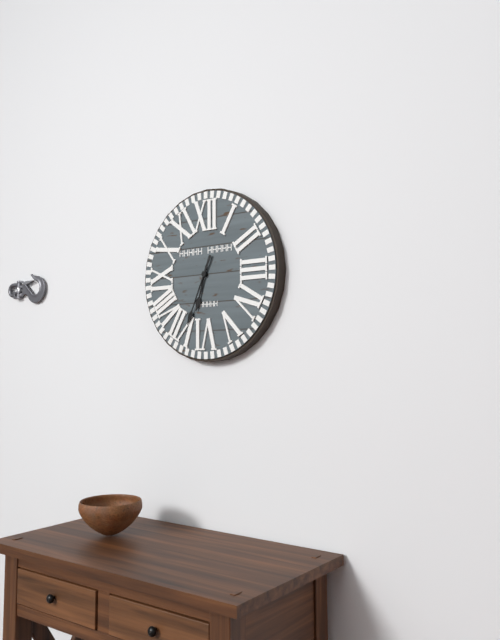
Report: {"hour": 6, "minute": 34}
